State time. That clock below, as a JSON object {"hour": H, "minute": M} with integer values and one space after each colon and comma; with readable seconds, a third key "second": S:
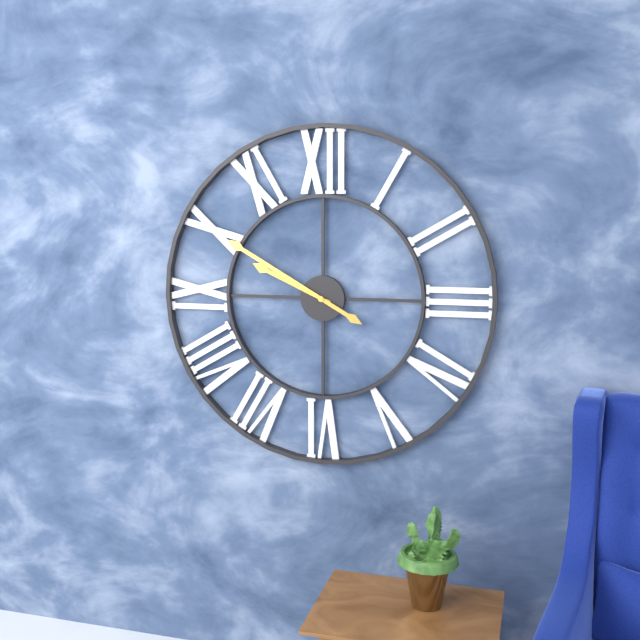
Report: {"hour": 9, "minute": 50}
